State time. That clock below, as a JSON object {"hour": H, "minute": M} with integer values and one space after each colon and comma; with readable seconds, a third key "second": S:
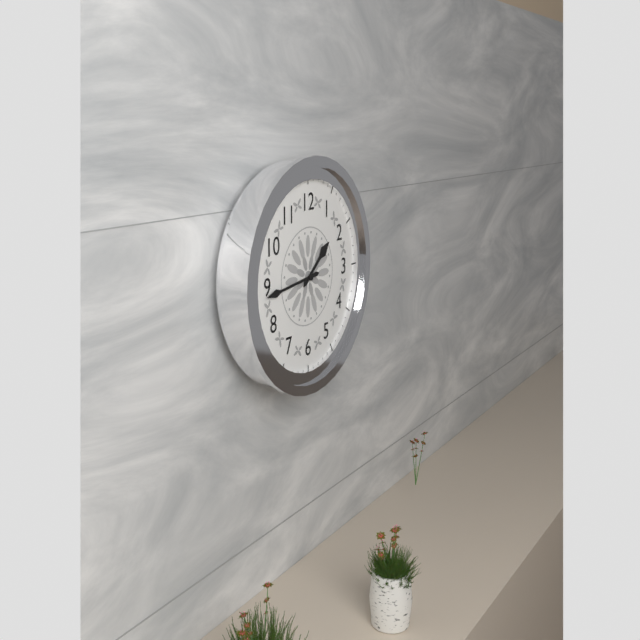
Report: {"hour": 1, "minute": 44}
